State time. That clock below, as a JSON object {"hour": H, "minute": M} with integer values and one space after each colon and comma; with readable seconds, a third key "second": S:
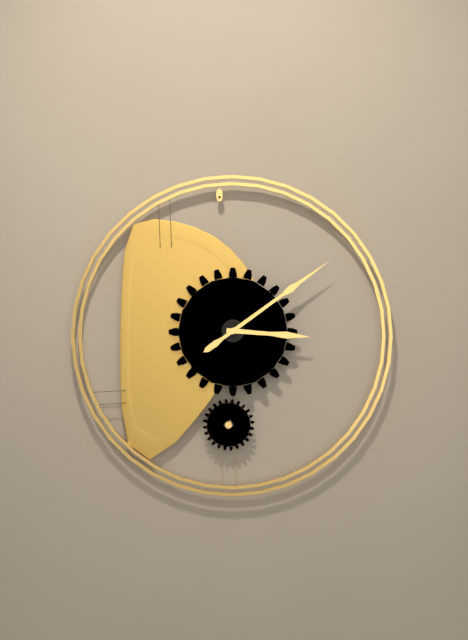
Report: {"hour": 3, "minute": 9}
